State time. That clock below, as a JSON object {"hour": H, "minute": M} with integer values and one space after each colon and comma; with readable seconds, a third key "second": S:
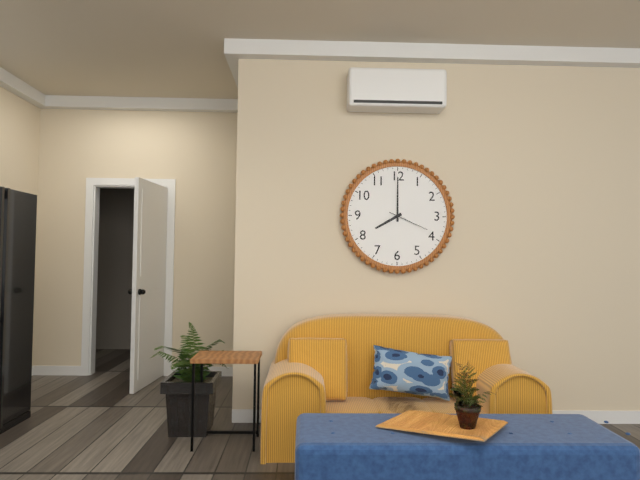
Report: {"hour": 8, "minute": 0}
